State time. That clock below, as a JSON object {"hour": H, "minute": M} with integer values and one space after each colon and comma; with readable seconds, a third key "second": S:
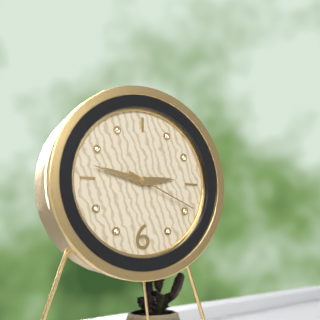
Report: {"hour": 2, "minute": 47, "second": 19}
